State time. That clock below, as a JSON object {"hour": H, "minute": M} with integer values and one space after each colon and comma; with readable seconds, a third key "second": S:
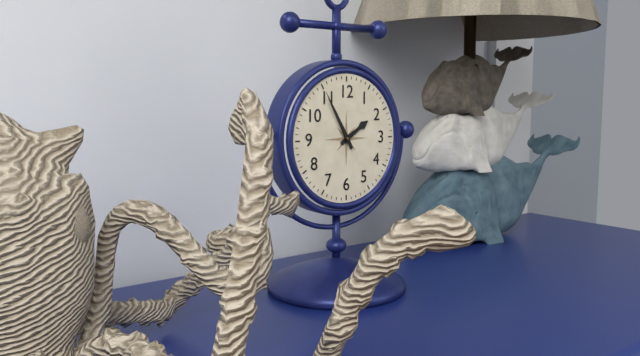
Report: {"hour": 1, "minute": 55}
